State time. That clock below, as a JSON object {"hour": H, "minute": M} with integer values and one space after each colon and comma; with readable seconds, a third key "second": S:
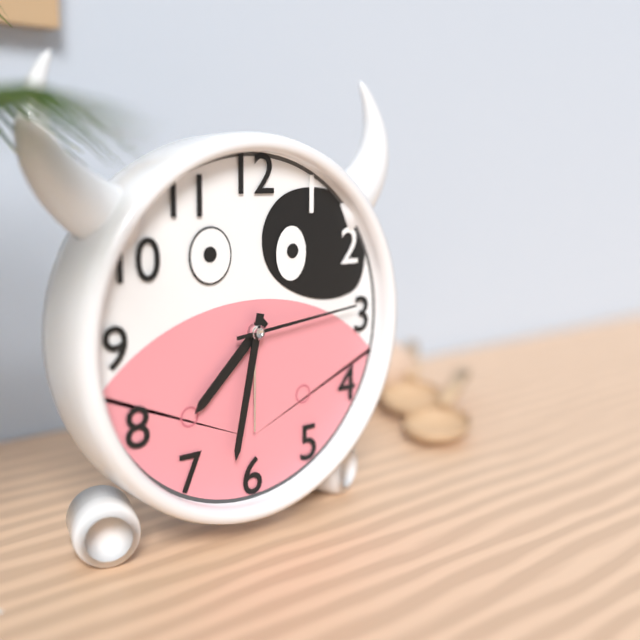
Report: {"hour": 7, "minute": 32, "second": 14}
